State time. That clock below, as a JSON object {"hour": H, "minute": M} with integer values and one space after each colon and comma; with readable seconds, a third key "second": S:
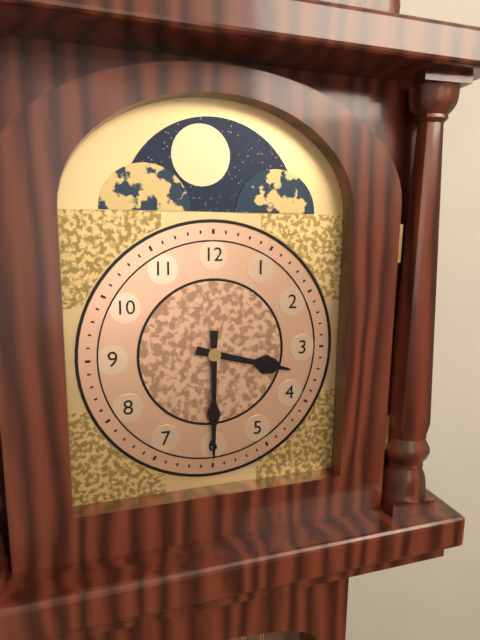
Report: {"hour": 3, "minute": 30}
